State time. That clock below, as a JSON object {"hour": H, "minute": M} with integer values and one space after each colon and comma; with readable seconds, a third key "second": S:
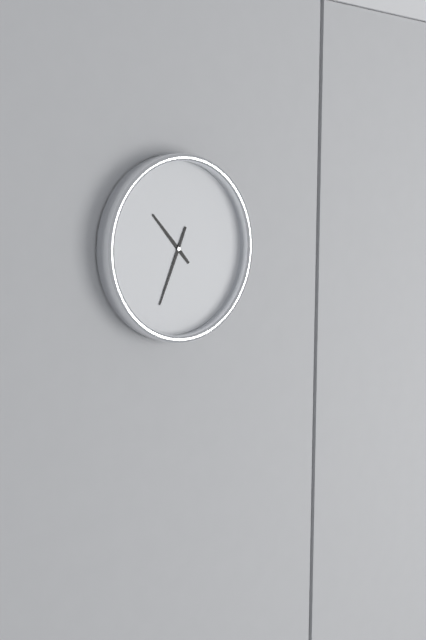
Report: {"hour": 10, "minute": 34}
